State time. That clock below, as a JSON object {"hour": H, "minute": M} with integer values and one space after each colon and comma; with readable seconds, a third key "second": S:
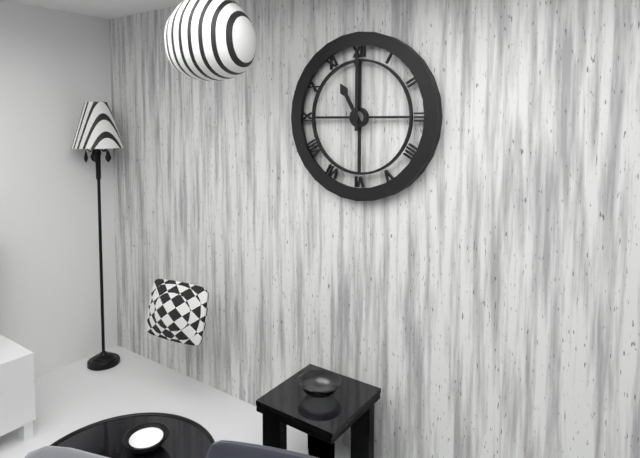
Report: {"hour": 11, "minute": 0}
